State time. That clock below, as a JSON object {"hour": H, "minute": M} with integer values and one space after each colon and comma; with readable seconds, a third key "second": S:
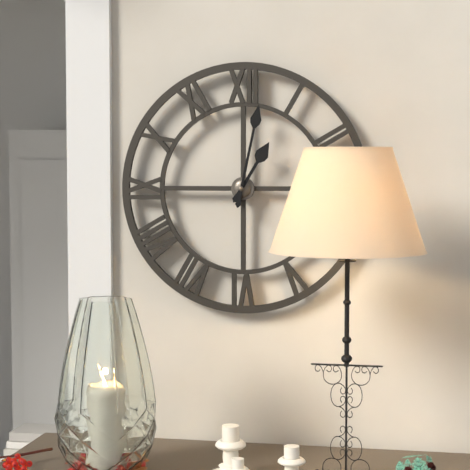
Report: {"hour": 1, "minute": 2}
